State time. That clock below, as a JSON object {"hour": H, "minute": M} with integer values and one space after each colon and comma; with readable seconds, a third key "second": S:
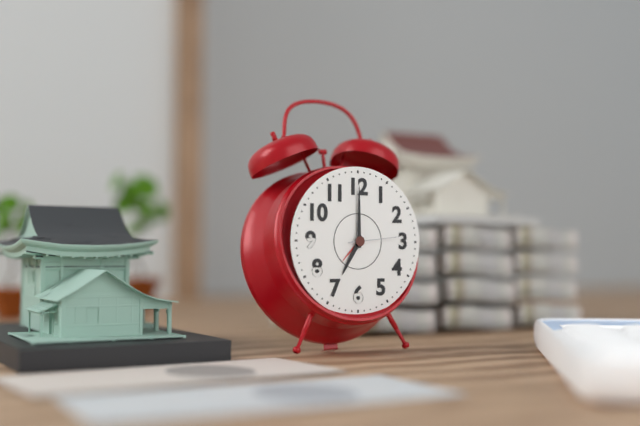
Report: {"hour": 7, "minute": 0, "second": 14}
